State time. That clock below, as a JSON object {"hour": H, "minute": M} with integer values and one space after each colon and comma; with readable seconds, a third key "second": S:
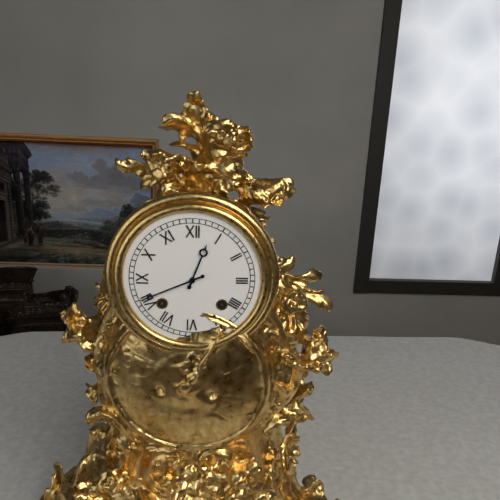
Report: {"hour": 12, "minute": 41}
